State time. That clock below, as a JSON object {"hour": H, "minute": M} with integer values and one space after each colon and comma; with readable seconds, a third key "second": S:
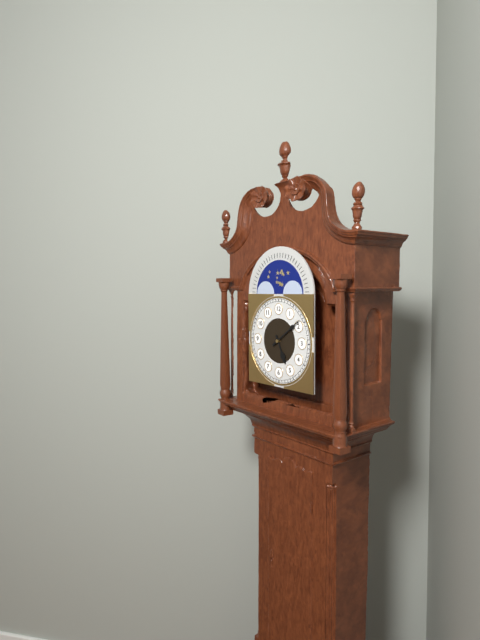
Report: {"hour": 5, "minute": 9}
